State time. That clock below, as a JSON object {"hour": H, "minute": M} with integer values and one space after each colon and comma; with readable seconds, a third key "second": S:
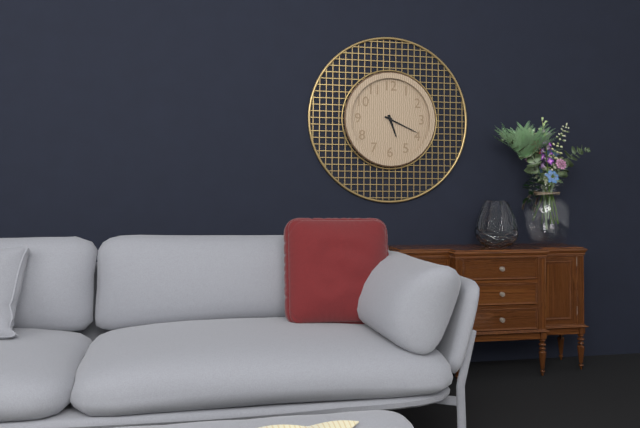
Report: {"hour": 5, "minute": 19}
